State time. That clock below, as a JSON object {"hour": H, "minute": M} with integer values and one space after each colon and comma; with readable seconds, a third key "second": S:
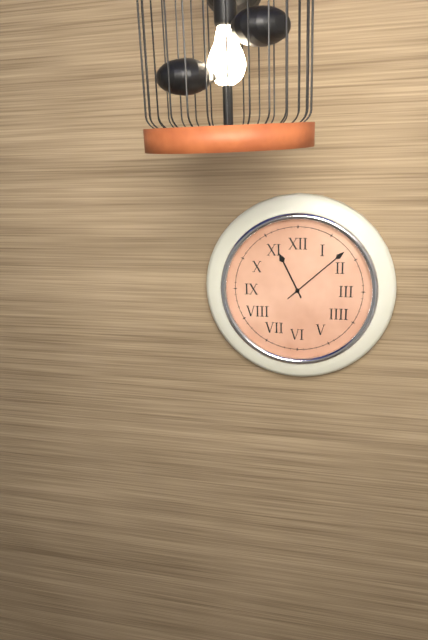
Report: {"hour": 11, "minute": 8}
